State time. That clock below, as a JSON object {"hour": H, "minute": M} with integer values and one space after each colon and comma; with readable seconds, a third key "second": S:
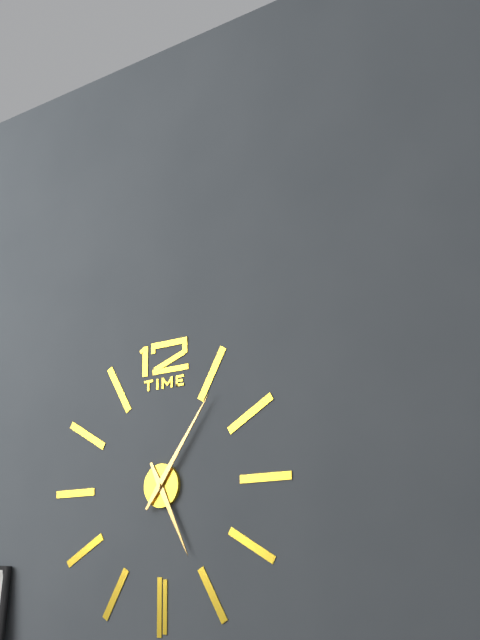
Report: {"hour": 5, "minute": 6}
